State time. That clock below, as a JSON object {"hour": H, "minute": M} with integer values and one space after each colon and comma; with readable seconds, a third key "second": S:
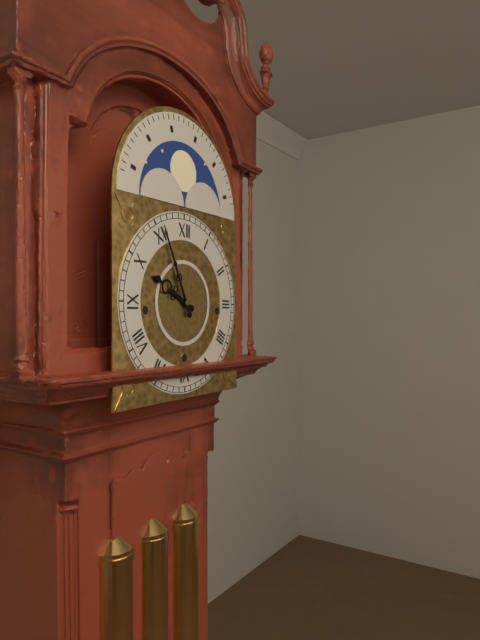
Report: {"hour": 9, "minute": 56}
